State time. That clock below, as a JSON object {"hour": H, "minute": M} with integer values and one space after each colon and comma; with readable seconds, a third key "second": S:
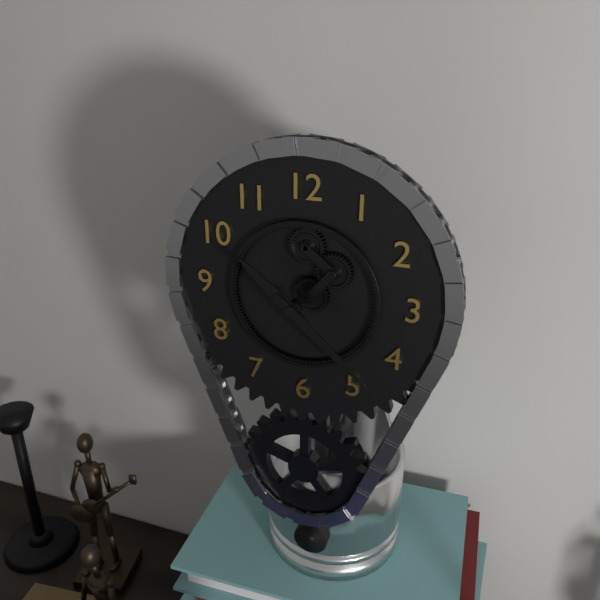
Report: {"hour": 10, "minute": 22}
